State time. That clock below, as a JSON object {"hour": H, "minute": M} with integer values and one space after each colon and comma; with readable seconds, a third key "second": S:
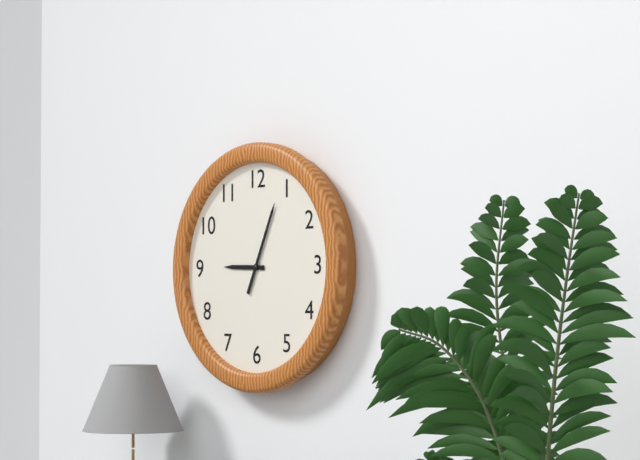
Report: {"hour": 9, "minute": 4}
